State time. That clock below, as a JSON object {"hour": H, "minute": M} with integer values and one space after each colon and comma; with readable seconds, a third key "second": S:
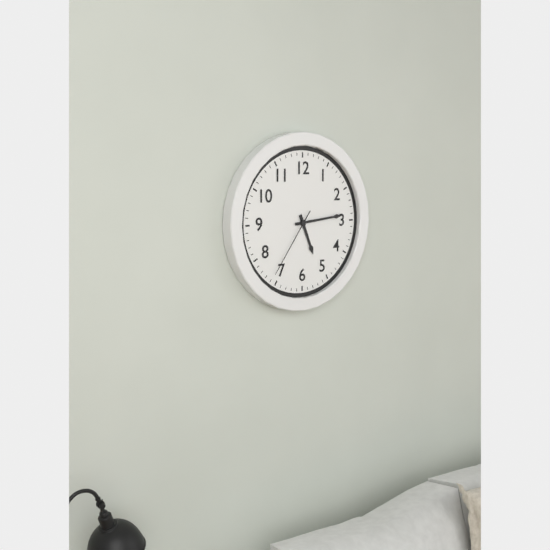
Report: {"hour": 5, "minute": 14, "second": 36}
